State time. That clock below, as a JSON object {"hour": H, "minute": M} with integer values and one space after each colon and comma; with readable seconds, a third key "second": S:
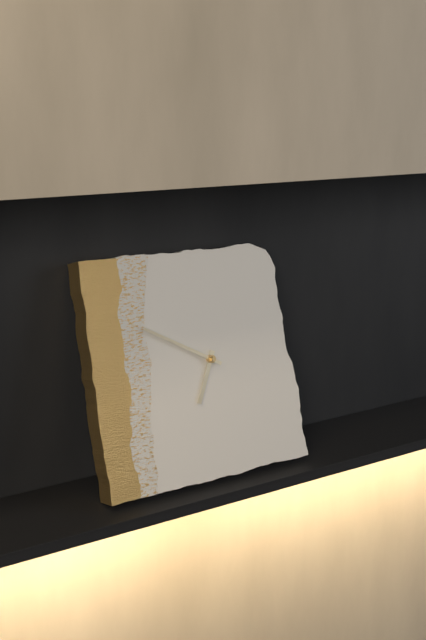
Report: {"hour": 6, "minute": 50}
